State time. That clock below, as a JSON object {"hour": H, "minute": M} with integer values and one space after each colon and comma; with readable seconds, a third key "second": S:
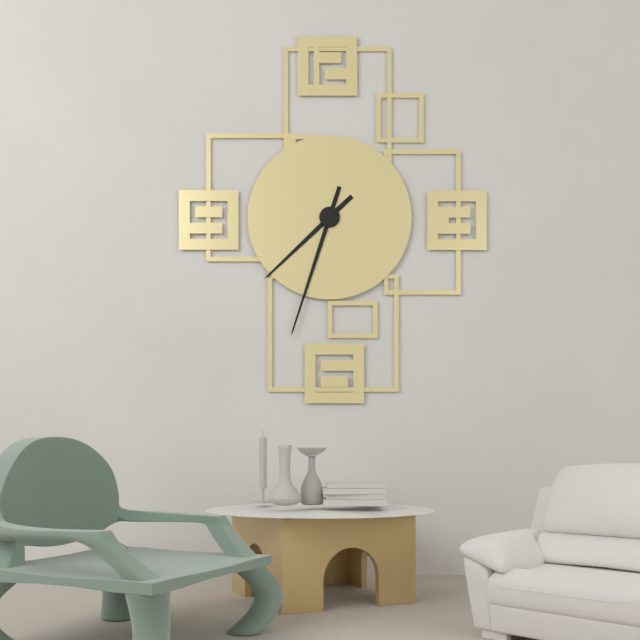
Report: {"hour": 7, "minute": 33}
